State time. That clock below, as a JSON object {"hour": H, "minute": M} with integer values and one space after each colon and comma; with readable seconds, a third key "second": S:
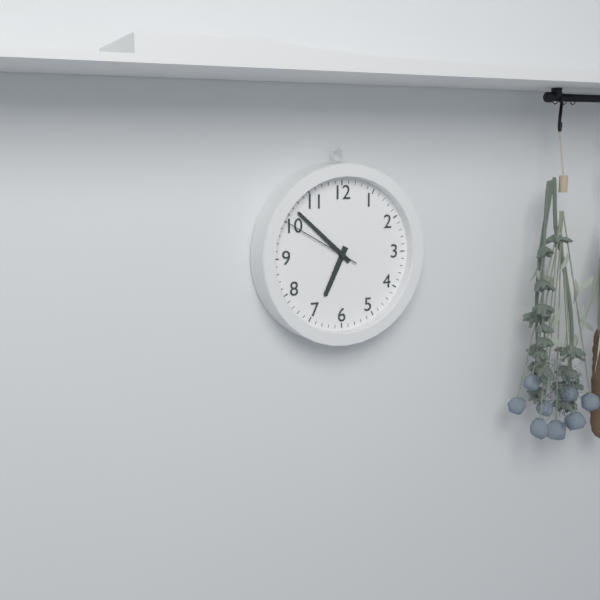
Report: {"hour": 6, "minute": 52, "second": 50}
